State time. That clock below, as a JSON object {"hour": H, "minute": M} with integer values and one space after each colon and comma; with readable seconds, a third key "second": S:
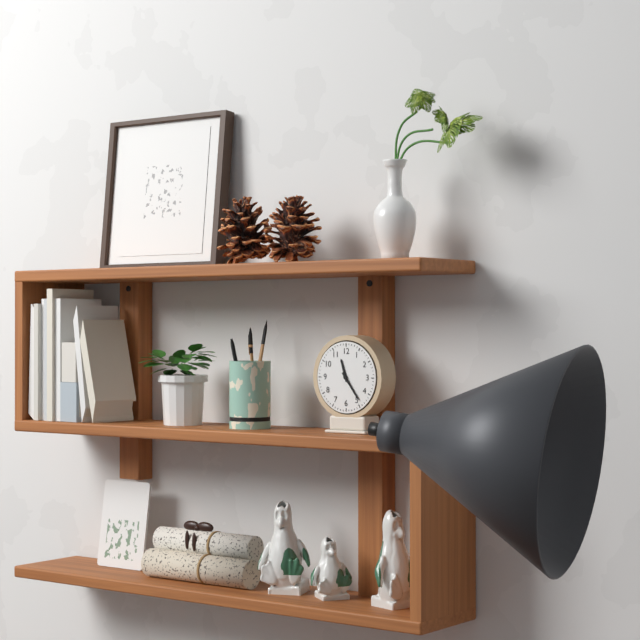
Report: {"hour": 11, "minute": 24}
